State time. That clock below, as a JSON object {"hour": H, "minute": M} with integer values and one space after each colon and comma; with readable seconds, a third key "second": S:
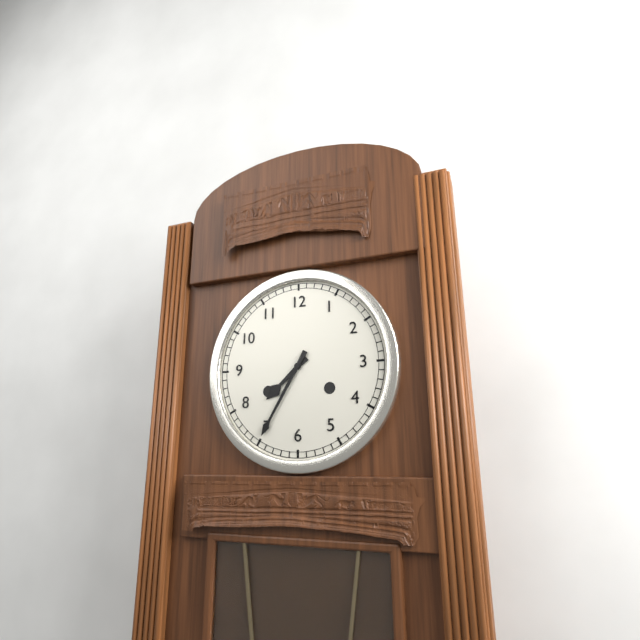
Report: {"hour": 7, "minute": 35}
